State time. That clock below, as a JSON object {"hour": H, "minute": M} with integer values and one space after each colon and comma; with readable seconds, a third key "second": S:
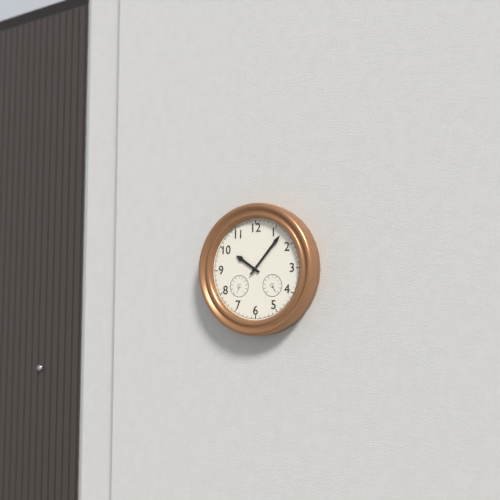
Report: {"hour": 10, "minute": 7}
